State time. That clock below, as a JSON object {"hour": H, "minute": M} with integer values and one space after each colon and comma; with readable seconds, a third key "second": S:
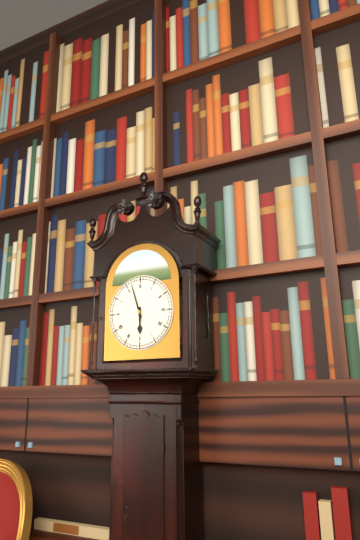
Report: {"hour": 5, "minute": 57}
